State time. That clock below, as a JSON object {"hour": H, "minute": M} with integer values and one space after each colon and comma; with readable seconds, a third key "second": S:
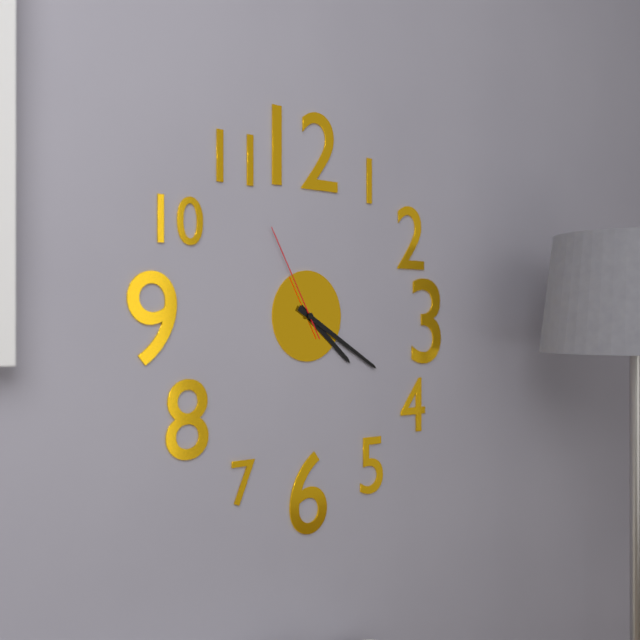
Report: {"hour": 4, "minute": 20, "second": 55}
